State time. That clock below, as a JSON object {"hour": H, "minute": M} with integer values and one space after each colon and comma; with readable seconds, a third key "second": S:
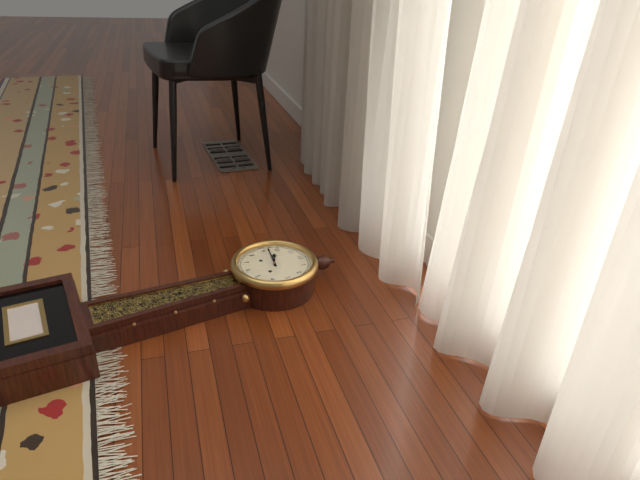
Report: {"hour": 9, "minute": 47}
